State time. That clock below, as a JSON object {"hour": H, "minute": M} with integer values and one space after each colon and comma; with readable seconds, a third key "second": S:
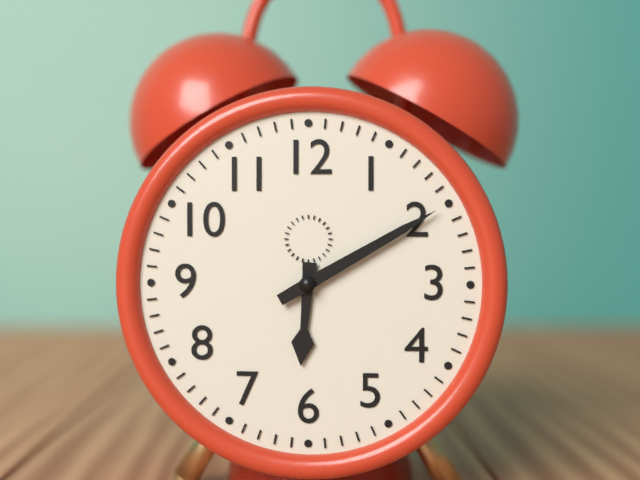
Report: {"hour": 6, "minute": 10}
